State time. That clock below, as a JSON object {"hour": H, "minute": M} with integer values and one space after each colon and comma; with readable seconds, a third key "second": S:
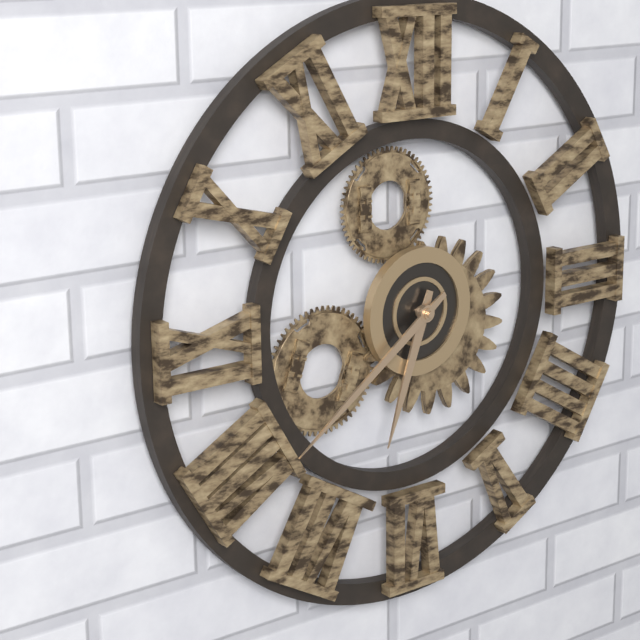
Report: {"hour": 6, "minute": 39}
